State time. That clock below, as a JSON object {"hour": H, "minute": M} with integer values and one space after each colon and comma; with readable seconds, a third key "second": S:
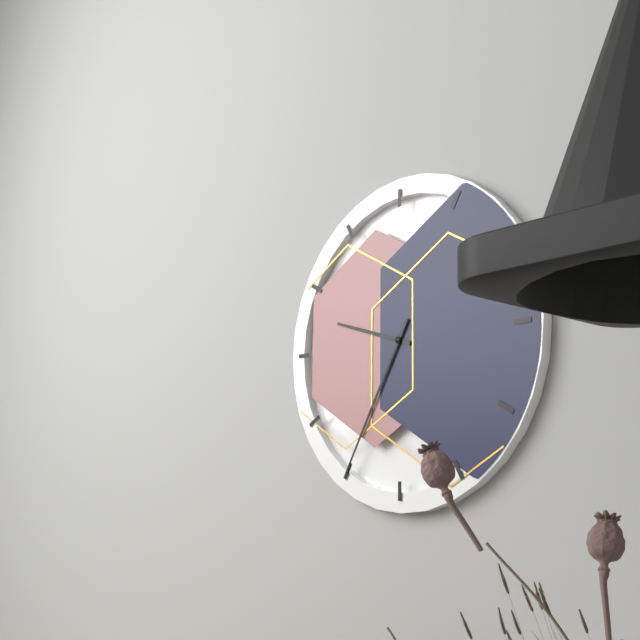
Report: {"hour": 9, "minute": 35}
